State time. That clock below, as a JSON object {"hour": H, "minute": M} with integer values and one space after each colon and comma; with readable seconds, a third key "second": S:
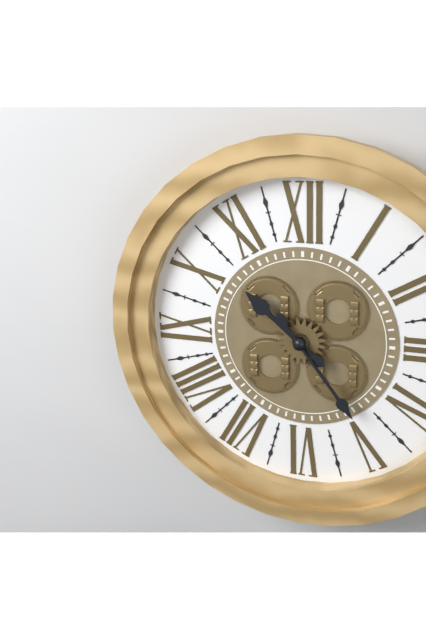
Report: {"hour": 10, "minute": 24}
